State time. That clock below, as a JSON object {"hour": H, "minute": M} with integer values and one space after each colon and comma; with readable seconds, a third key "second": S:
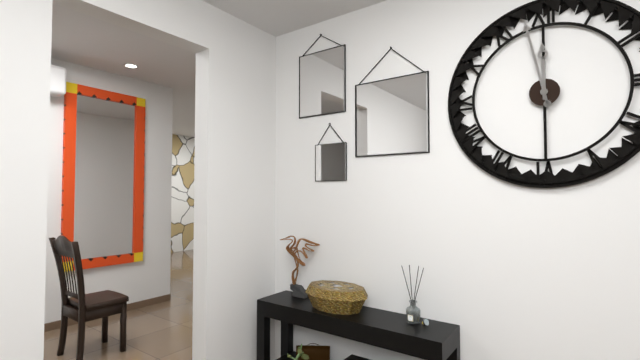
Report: {"hour": 11, "minute": 58}
